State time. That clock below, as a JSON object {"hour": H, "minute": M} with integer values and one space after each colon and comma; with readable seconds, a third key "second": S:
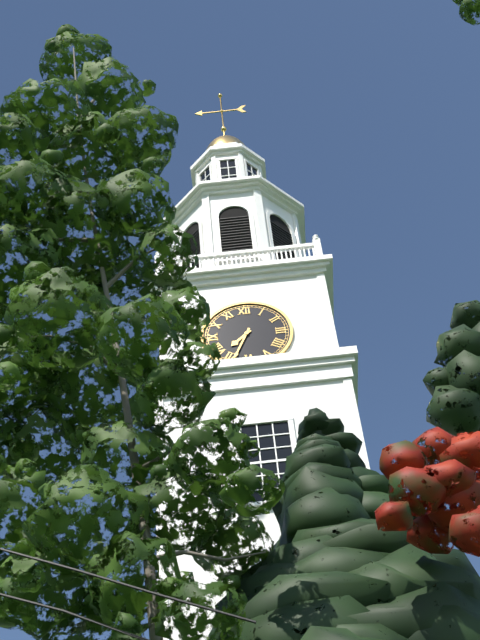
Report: {"hour": 7, "minute": 34}
